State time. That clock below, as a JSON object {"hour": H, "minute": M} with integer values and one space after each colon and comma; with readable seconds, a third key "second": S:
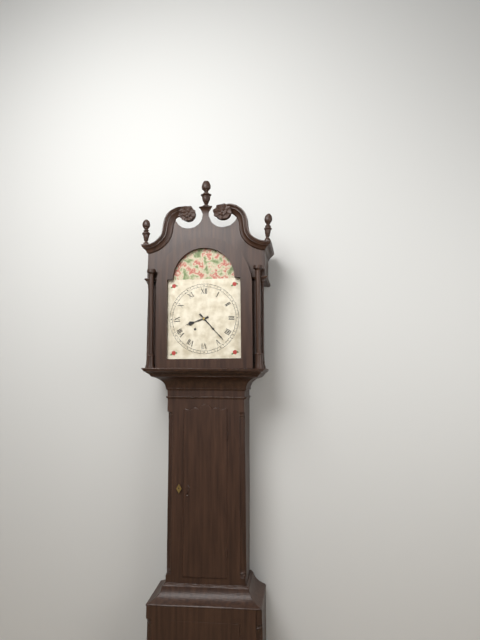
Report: {"hour": 8, "minute": 23}
